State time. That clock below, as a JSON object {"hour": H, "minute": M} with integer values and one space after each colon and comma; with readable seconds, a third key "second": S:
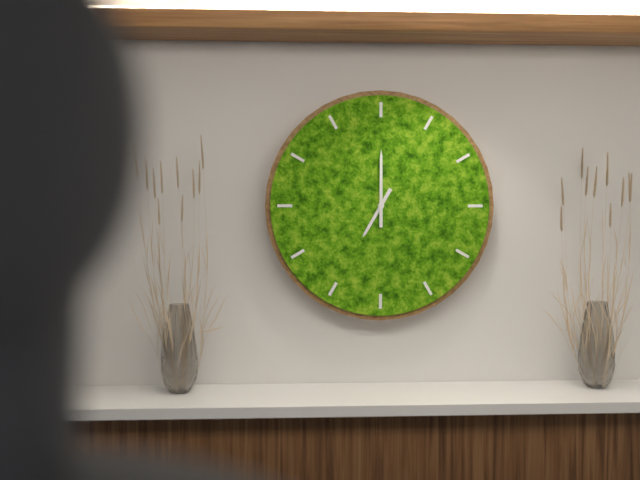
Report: {"hour": 7, "minute": 0}
